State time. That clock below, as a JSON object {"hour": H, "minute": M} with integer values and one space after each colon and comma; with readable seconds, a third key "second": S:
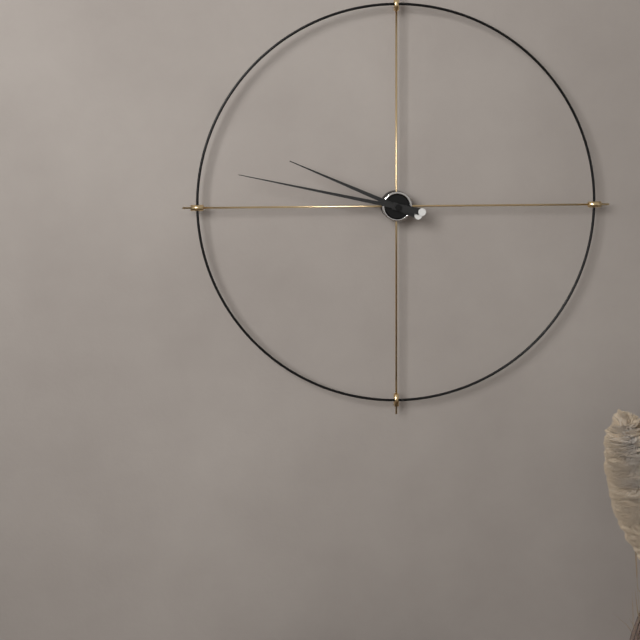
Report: {"hour": 9, "minute": 47}
